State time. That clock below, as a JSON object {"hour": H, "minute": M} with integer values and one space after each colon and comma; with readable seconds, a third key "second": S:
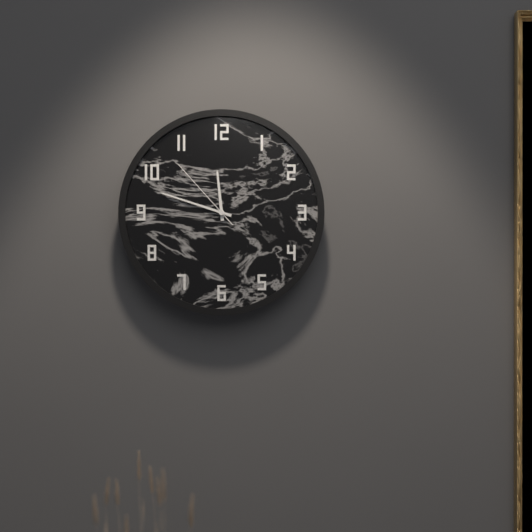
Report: {"hour": 11, "minute": 48, "second": 53}
